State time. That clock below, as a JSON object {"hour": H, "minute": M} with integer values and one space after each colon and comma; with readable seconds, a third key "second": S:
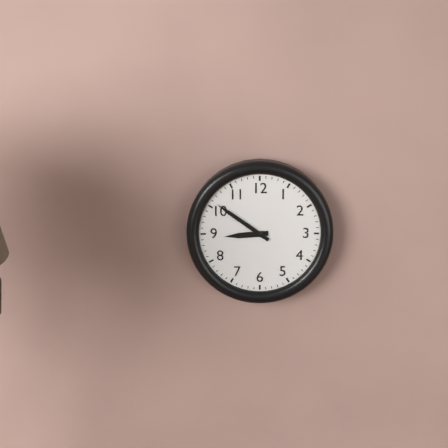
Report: {"hour": 8, "minute": 51}
